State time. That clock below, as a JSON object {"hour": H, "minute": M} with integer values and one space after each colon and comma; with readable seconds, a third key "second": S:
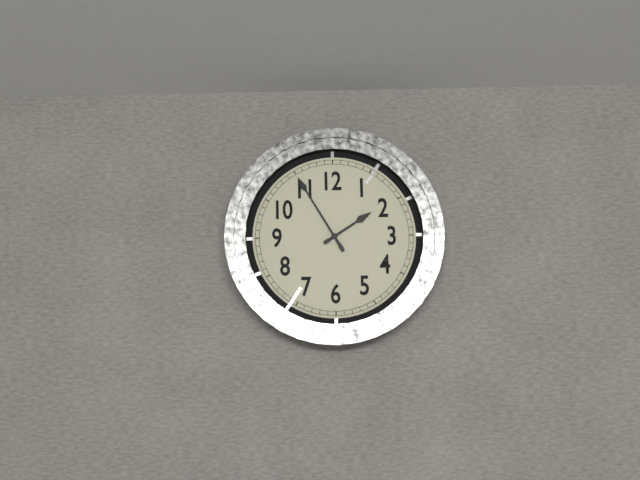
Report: {"hour": 1, "minute": 55}
